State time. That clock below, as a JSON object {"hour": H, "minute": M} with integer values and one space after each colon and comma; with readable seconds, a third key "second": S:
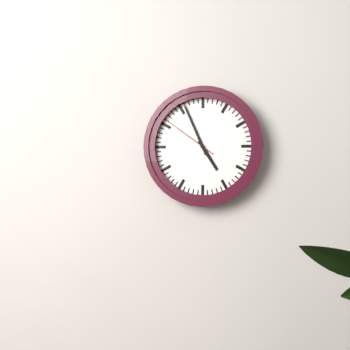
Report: {"hour": 4, "minute": 56, "second": 51}
